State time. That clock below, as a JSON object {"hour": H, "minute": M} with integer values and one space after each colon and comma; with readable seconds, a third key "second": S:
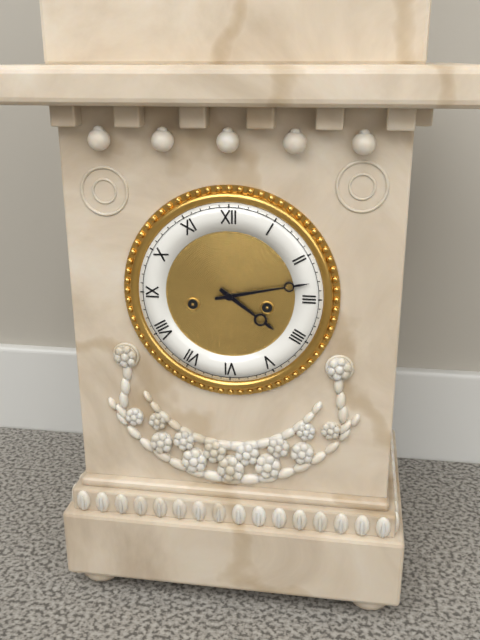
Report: {"hour": 4, "minute": 13}
